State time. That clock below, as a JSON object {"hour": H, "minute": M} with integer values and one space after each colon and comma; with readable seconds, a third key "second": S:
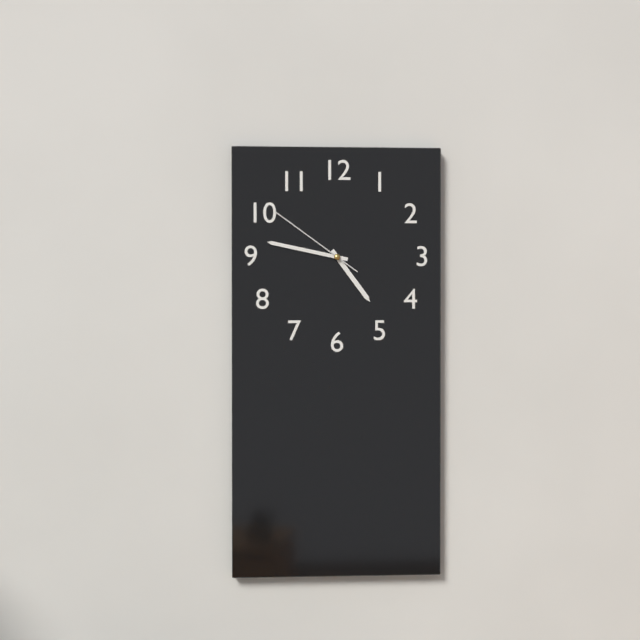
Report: {"hour": 4, "minute": 47, "second": 51}
